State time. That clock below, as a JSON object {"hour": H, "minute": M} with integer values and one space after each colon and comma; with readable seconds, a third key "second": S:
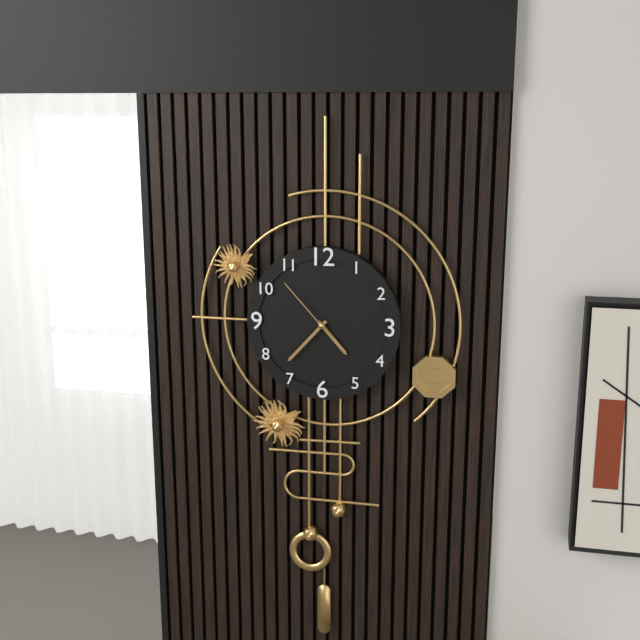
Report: {"hour": 4, "minute": 37, "second": 53}
